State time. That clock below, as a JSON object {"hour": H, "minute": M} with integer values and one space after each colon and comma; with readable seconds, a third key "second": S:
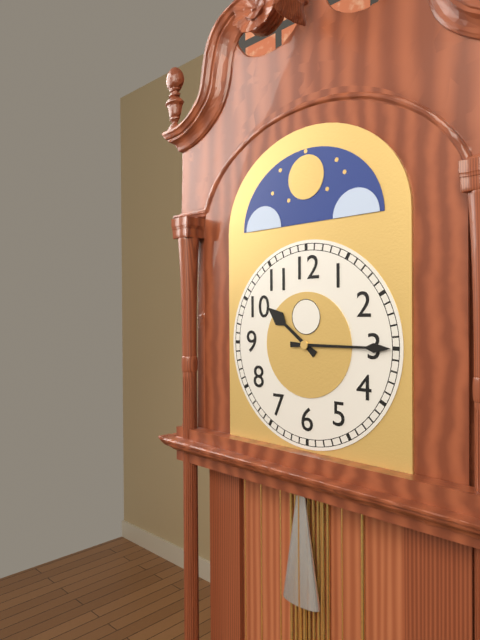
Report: {"hour": 10, "minute": 15}
